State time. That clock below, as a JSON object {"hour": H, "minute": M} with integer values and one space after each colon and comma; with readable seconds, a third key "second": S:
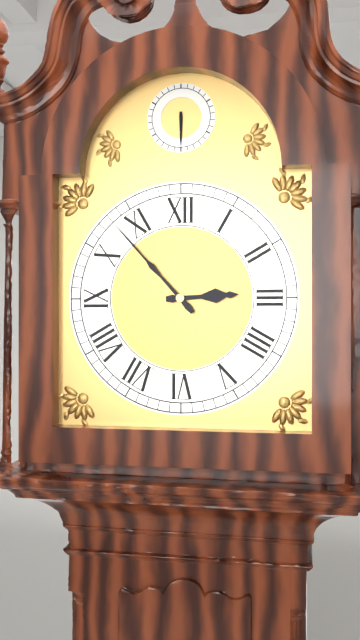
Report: {"hour": 2, "minute": 53}
